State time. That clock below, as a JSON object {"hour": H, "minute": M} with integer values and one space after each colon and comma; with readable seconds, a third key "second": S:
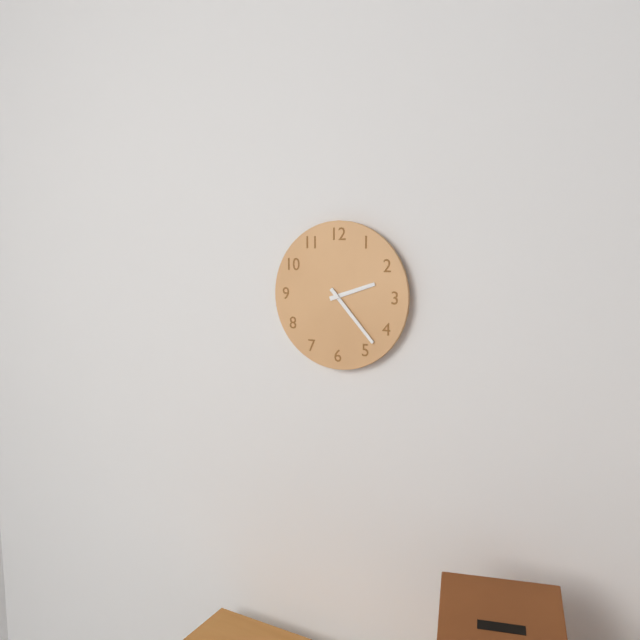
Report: {"hour": 2, "minute": 23}
